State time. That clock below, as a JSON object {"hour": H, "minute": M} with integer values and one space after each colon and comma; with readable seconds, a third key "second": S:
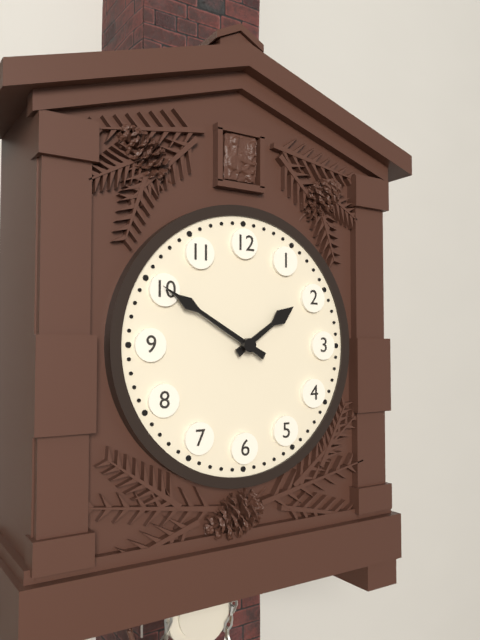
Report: {"hour": 1, "minute": 50}
